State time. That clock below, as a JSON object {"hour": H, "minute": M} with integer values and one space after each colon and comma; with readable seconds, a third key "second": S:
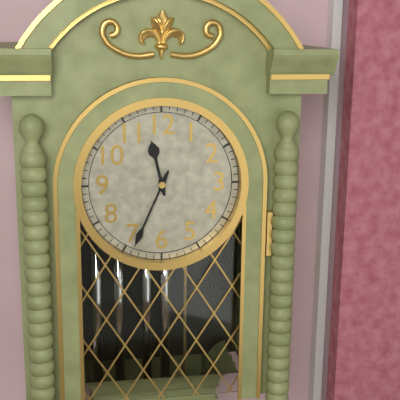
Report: {"hour": 11, "minute": 34}
